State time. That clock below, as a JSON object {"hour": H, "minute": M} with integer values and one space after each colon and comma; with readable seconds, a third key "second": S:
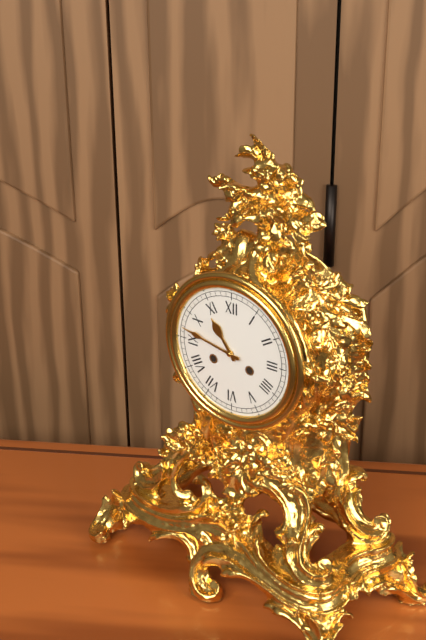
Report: {"hour": 10, "minute": 47}
